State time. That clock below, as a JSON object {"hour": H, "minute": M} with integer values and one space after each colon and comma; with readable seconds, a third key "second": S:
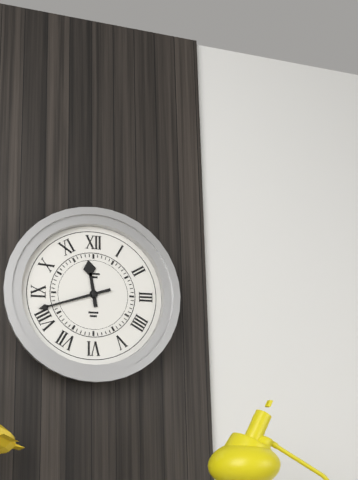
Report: {"hour": 11, "minute": 42}
